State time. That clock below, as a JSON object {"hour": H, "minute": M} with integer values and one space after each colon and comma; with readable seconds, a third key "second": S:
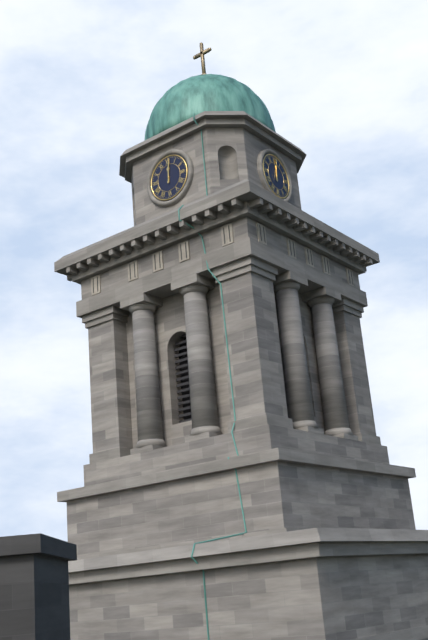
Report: {"hour": 12, "minute": 1}
